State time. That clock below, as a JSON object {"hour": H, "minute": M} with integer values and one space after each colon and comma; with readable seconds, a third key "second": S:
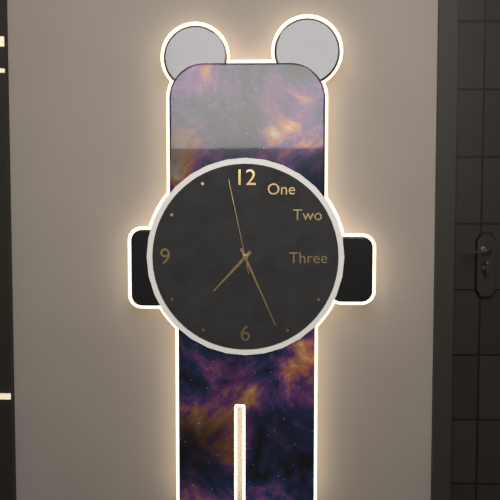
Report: {"hour": 7, "minute": 26, "second": 58}
